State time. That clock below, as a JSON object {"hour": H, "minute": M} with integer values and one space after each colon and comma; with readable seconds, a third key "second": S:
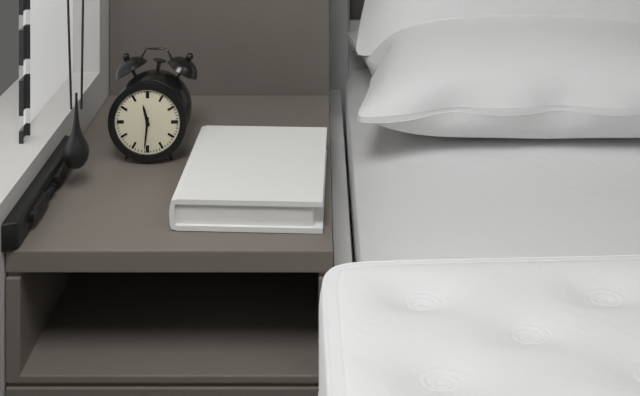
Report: {"hour": 11, "minute": 31}
